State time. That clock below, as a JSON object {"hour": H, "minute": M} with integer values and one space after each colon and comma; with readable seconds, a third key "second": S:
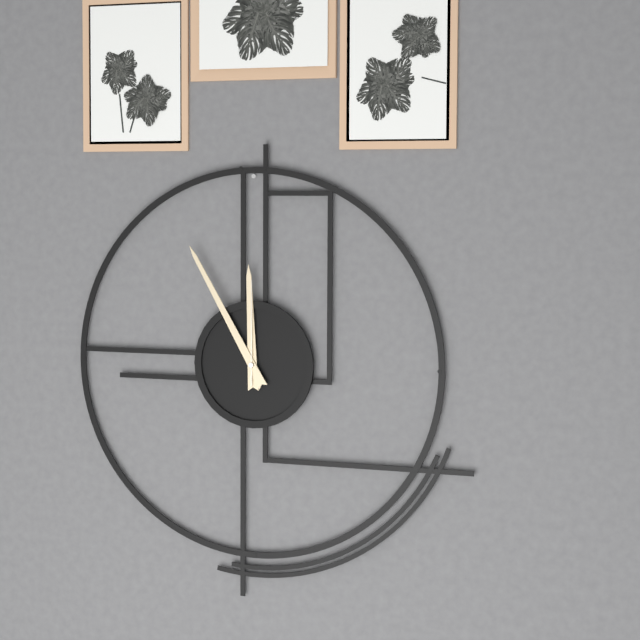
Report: {"hour": 11, "minute": 55, "second": 0}
